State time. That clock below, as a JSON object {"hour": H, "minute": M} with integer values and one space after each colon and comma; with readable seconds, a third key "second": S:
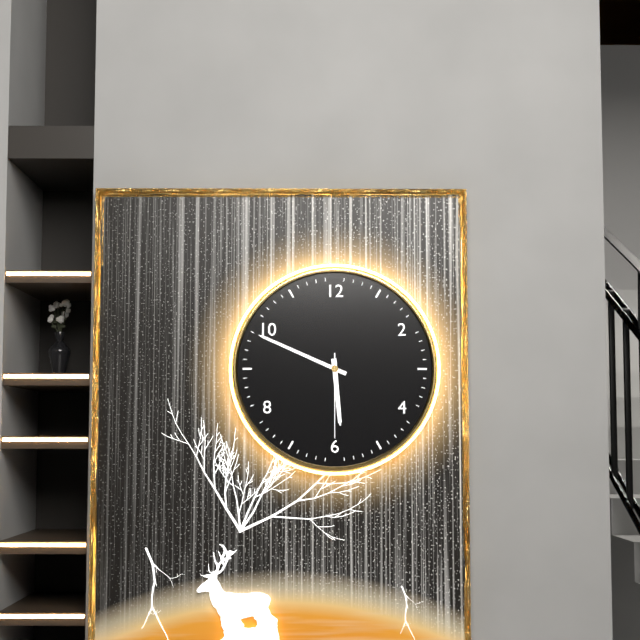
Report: {"hour": 5, "minute": 49, "second": 30}
